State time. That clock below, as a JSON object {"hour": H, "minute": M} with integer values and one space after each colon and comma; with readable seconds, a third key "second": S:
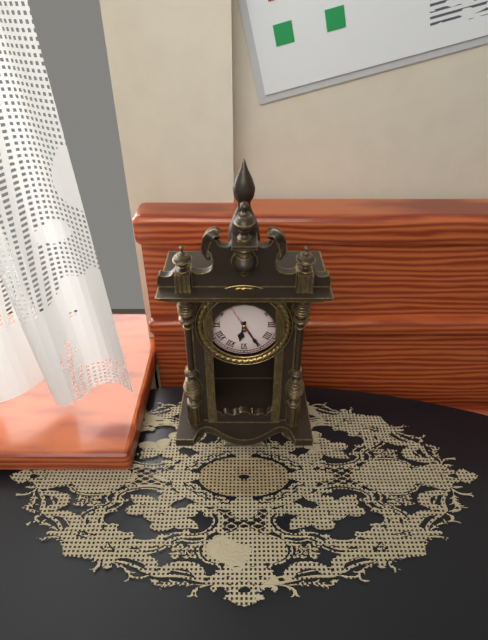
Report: {"hour": 6, "minute": 25}
